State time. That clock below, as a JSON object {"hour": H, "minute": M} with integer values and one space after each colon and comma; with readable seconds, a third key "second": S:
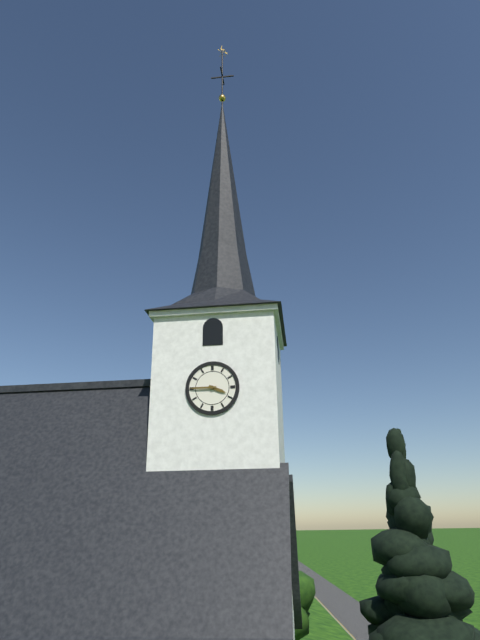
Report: {"hour": 3, "minute": 45}
